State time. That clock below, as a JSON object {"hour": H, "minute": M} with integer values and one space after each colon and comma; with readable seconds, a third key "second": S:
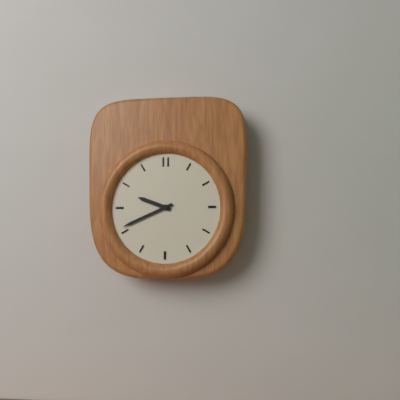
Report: {"hour": 9, "minute": 41}
